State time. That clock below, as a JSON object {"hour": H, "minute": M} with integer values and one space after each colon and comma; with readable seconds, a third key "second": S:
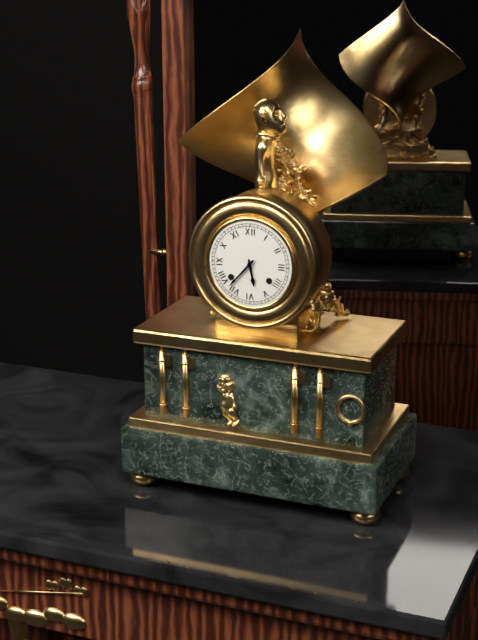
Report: {"hour": 5, "minute": 37}
